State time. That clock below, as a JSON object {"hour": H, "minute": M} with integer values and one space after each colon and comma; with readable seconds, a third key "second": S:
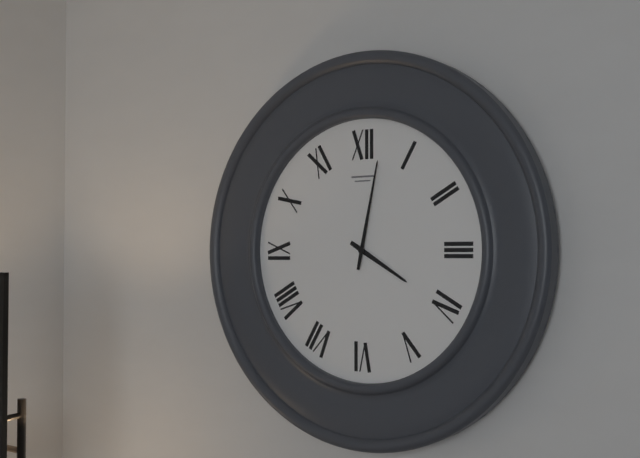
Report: {"hour": 4, "minute": 2}
